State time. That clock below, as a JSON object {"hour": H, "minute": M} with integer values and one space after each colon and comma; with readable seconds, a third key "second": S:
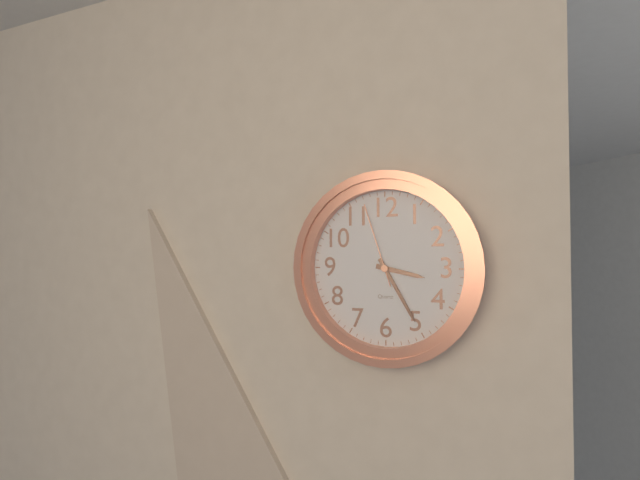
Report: {"hour": 3, "minute": 25, "second": 57}
